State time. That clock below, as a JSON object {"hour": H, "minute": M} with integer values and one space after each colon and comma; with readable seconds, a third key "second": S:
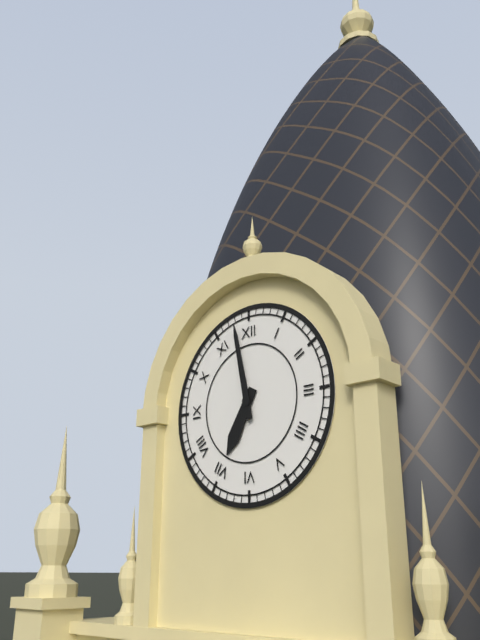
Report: {"hour": 6, "minute": 58}
